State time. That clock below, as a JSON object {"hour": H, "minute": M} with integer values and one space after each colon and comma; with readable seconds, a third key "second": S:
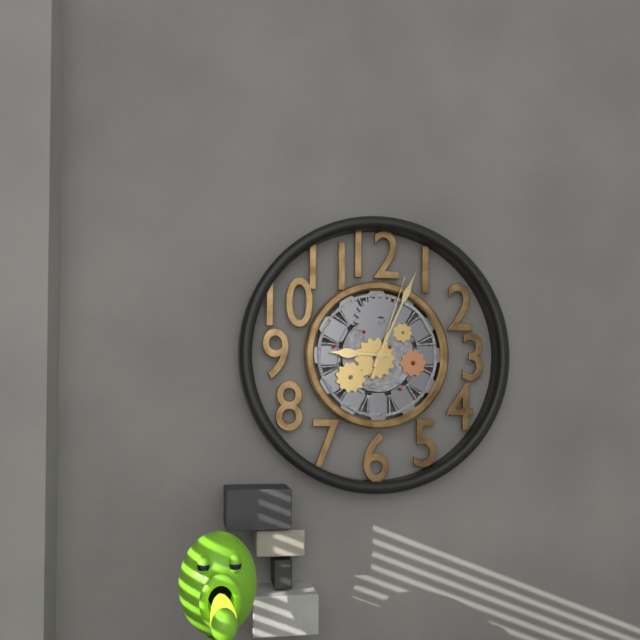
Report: {"hour": 9, "minute": 4, "second": 3}
